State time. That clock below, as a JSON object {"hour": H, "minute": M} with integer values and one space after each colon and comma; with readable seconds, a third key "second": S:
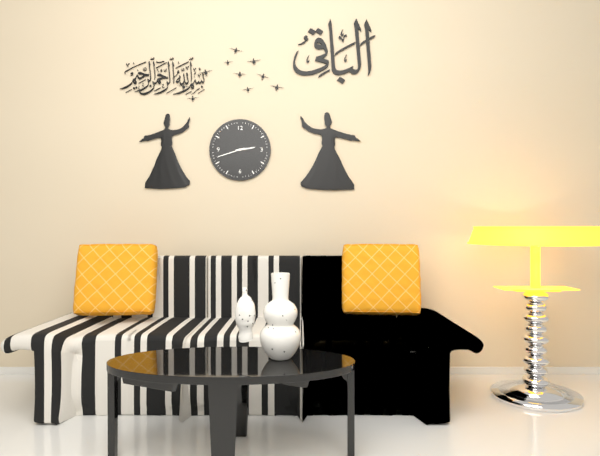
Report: {"hour": 2, "minute": 42}
